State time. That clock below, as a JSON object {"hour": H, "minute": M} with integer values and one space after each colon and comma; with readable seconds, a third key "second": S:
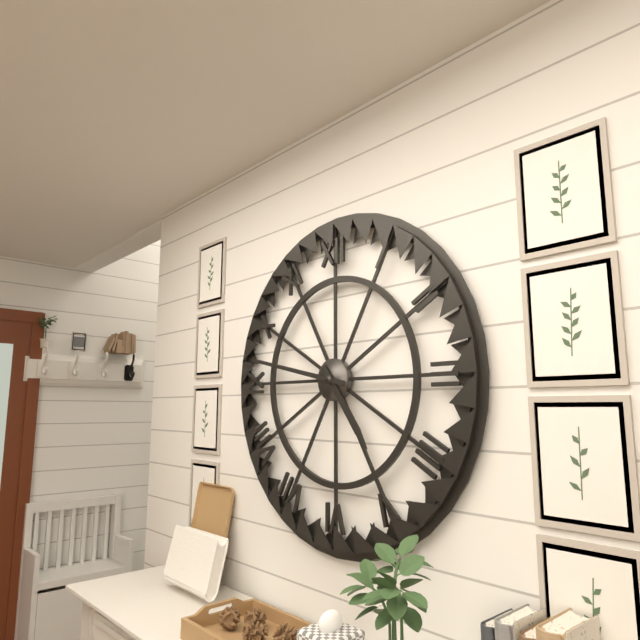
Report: {"hour": 4, "minute": 47}
